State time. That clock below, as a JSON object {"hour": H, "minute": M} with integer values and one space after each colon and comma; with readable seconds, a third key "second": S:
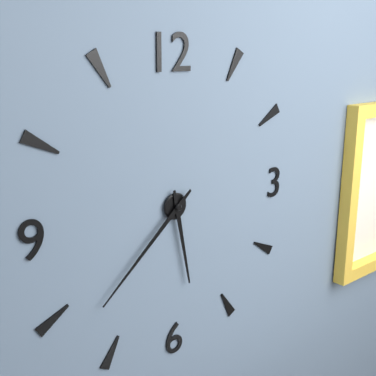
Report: {"hour": 5, "minute": 38}
